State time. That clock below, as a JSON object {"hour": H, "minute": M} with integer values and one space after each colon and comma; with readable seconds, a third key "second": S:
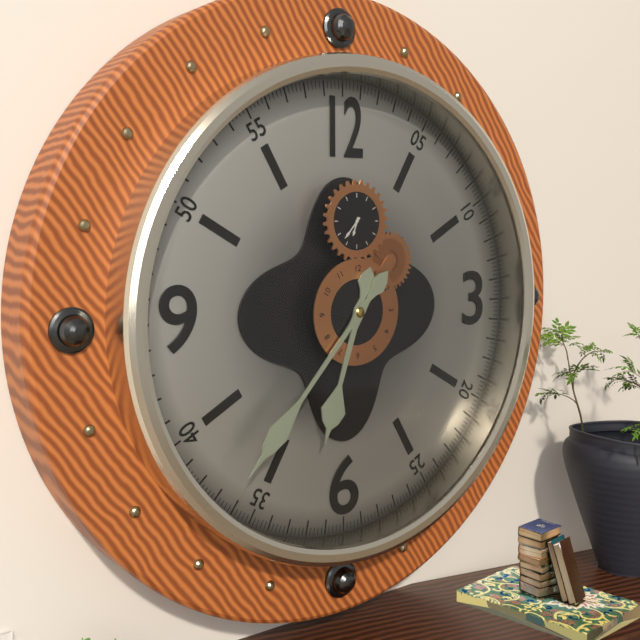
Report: {"hour": 6, "minute": 37}
